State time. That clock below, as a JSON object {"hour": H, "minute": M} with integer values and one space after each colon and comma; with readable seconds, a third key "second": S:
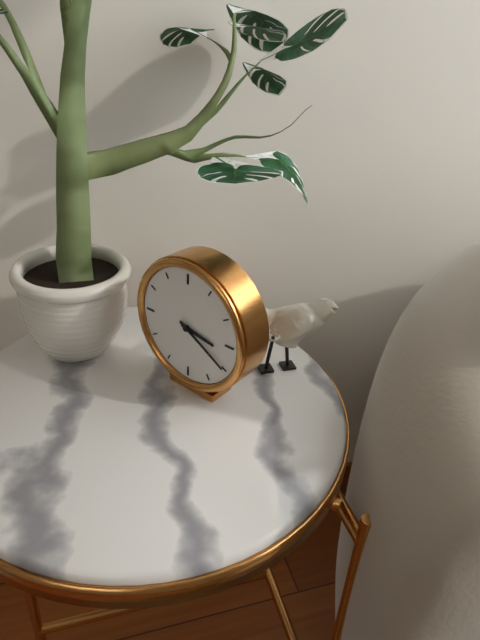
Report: {"hour": 3, "minute": 20}
